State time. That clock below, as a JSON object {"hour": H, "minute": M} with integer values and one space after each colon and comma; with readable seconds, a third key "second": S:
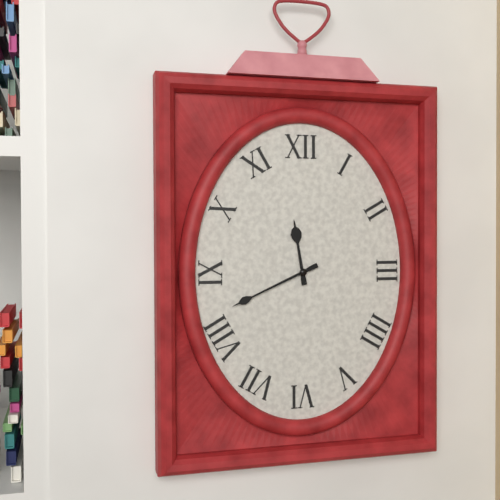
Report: {"hour": 11, "minute": 41}
